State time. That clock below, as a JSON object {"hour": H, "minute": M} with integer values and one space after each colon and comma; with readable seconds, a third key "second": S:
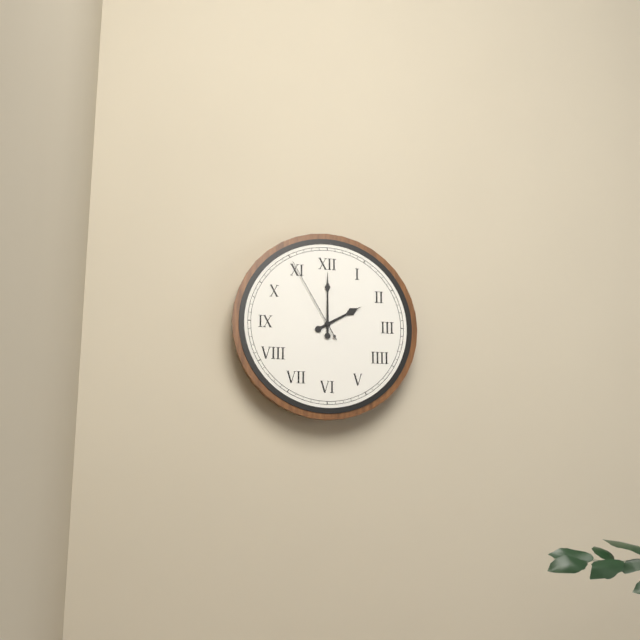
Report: {"hour": 2, "minute": 0, "second": 55}
